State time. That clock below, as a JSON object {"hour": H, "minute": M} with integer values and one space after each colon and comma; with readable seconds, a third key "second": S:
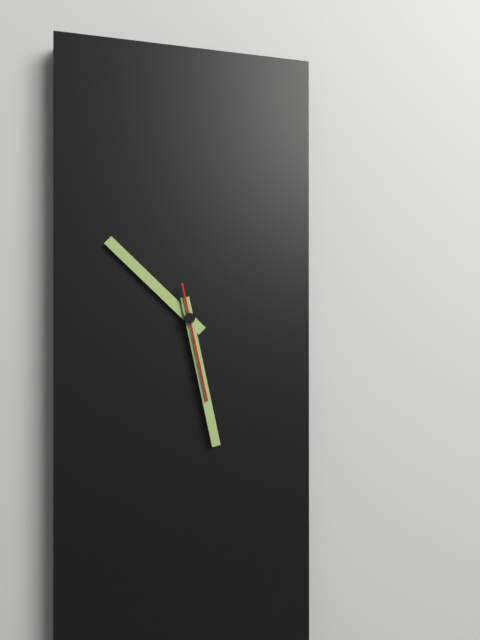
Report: {"hour": 10, "minute": 28, "second": 28}
